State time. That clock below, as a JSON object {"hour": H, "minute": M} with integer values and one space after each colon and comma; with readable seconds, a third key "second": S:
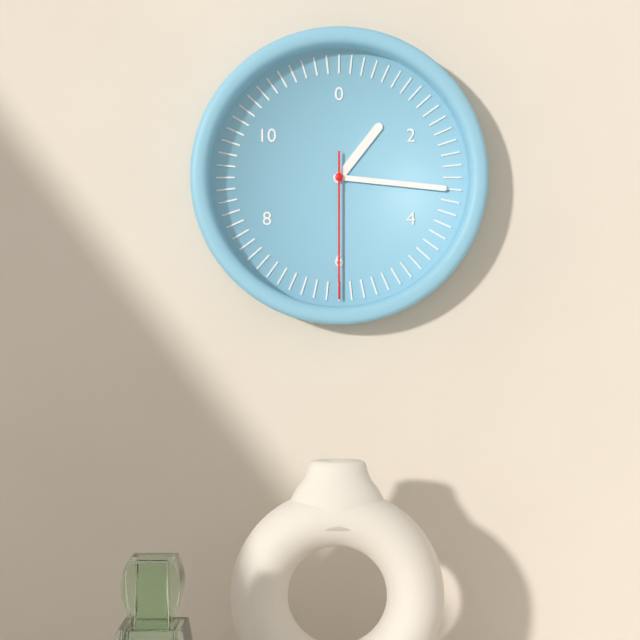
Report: {"hour": 1, "minute": 16, "second": 30}
